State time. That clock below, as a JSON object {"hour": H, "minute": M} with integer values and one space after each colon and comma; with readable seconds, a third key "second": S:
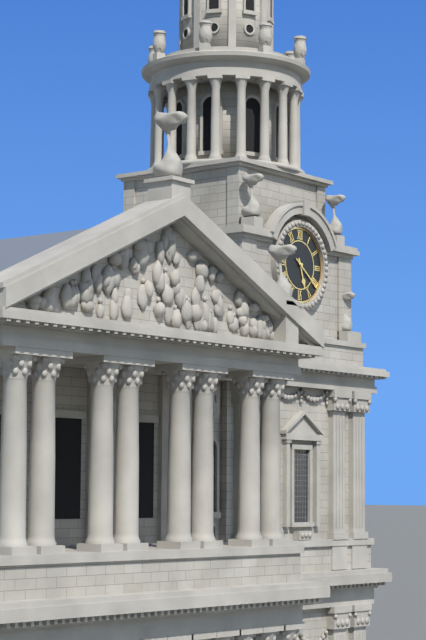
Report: {"hour": 5, "minute": 21}
